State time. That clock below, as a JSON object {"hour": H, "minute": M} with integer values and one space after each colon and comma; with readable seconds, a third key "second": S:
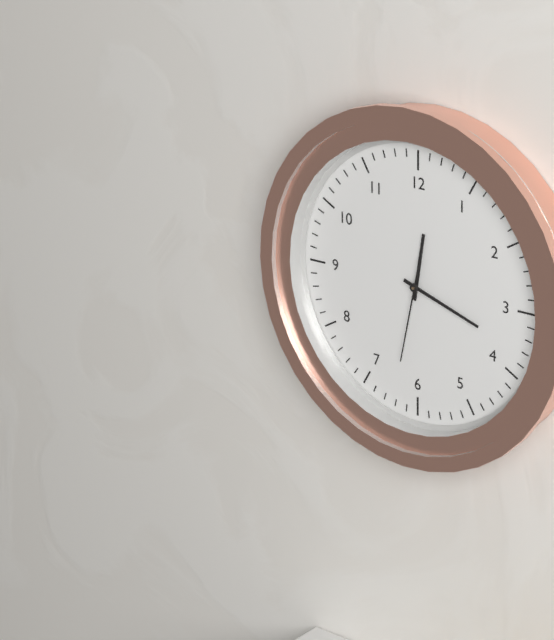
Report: {"hour": 12, "minute": 18, "second": 32}
